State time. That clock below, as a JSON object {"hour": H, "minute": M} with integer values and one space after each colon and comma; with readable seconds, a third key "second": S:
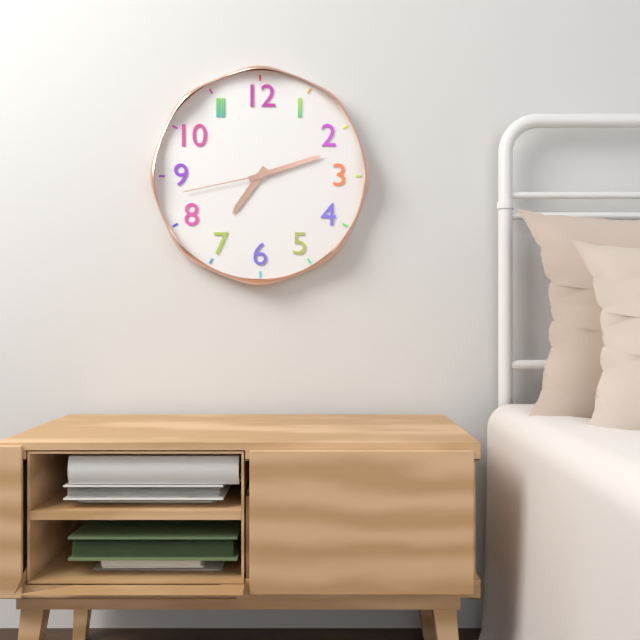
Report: {"hour": 7, "minute": 12, "second": 43}
